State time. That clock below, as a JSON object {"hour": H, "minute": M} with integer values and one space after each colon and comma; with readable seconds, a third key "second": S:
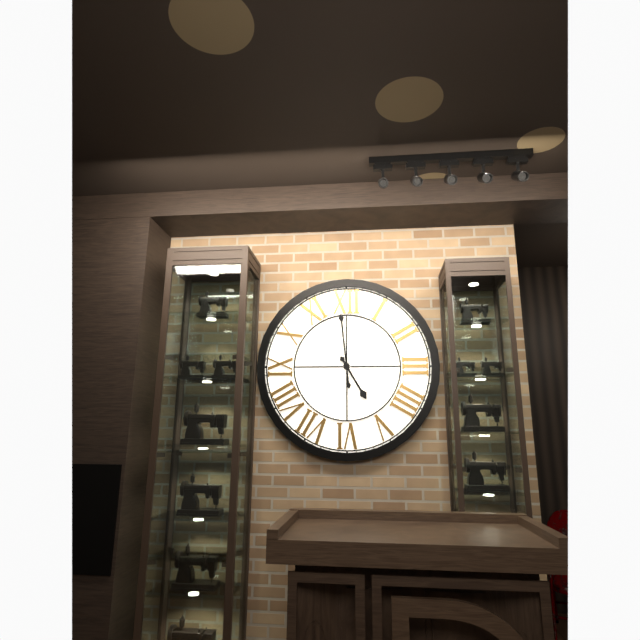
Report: {"hour": 4, "minute": 59}
